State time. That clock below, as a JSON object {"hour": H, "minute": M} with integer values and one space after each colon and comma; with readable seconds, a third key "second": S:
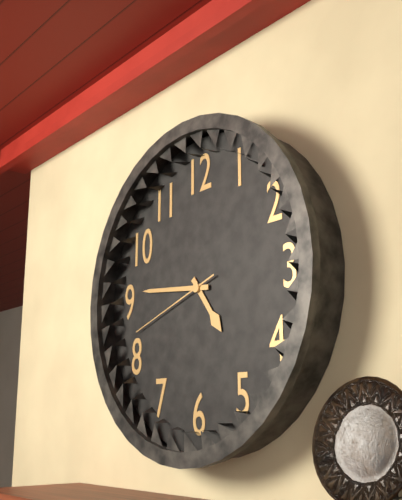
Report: {"hour": 4, "minute": 46, "second": 42}
